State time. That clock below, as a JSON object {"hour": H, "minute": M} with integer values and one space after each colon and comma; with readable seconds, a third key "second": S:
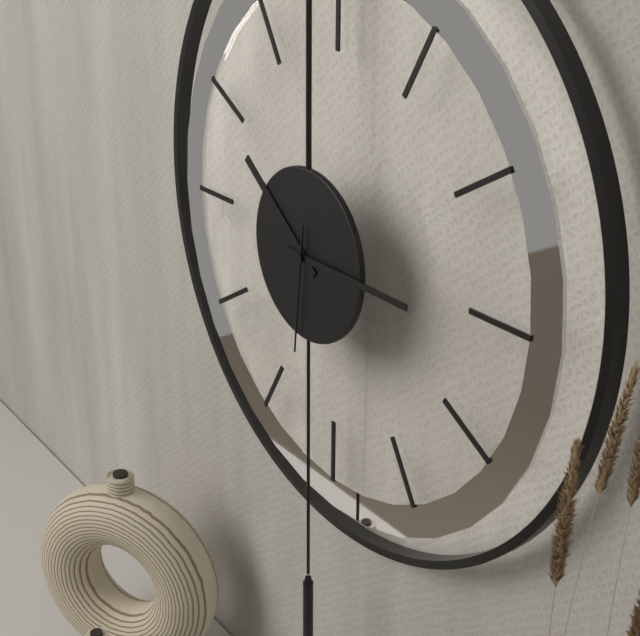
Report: {"hour": 10, "minute": 15, "second": 31}
